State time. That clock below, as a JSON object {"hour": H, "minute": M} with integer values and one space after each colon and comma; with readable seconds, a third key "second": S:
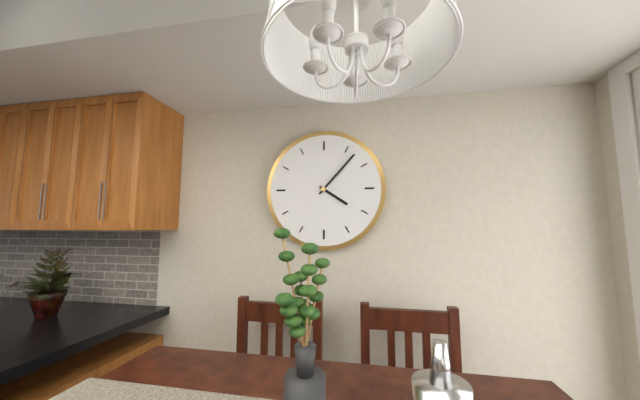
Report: {"hour": 4, "minute": 7}
